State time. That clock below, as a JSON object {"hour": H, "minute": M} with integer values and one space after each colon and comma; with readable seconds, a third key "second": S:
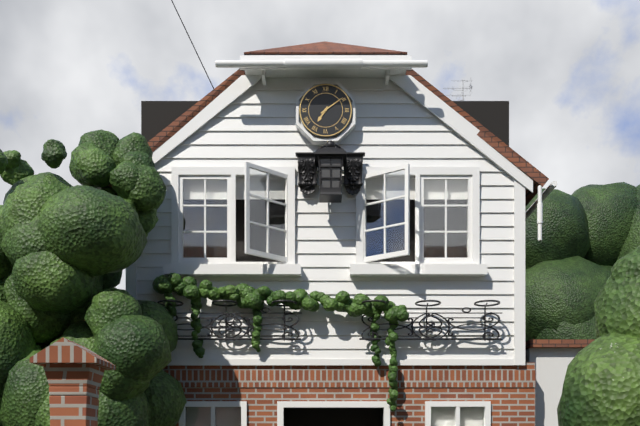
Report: {"hour": 7, "minute": 9}
